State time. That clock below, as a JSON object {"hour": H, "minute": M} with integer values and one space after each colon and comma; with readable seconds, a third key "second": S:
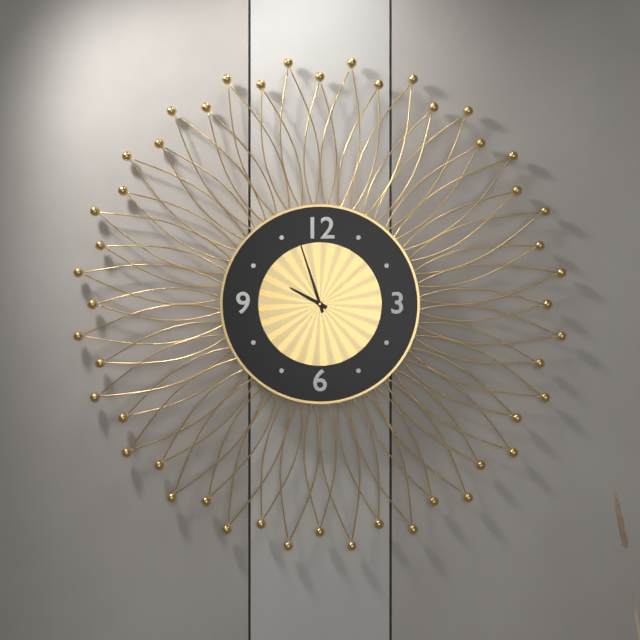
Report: {"hour": 9, "minute": 57, "second": 8}
